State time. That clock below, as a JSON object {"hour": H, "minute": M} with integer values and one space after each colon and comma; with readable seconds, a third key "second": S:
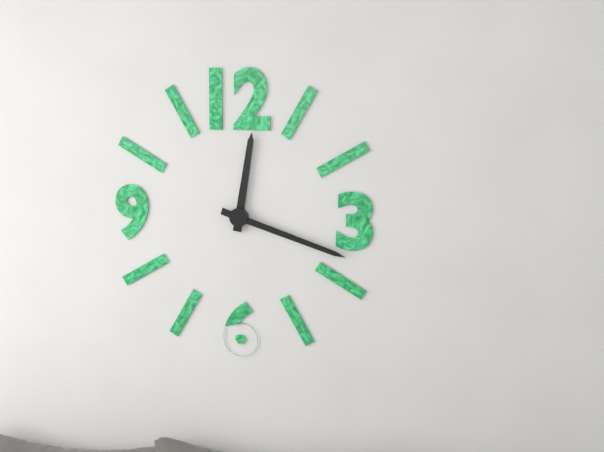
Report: {"hour": 12, "minute": 18}
